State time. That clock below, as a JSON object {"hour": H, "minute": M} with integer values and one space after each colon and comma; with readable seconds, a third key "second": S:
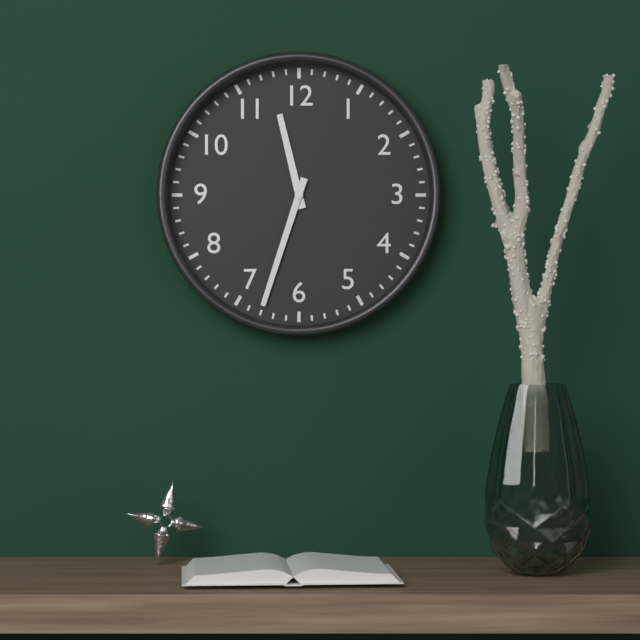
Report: {"hour": 11, "minute": 33}
